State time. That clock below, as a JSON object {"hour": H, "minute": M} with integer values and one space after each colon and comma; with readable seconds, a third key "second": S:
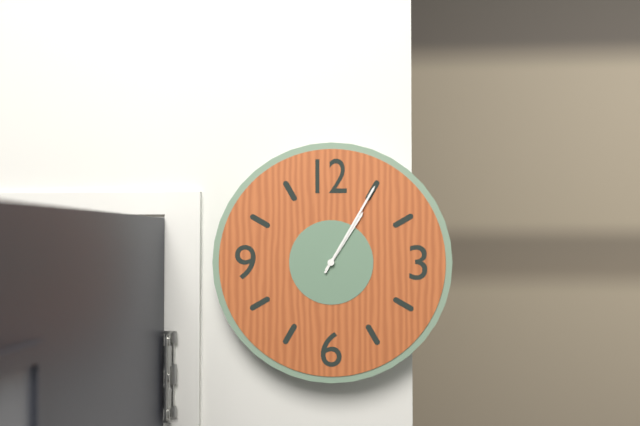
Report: {"hour": 1, "minute": 5}
